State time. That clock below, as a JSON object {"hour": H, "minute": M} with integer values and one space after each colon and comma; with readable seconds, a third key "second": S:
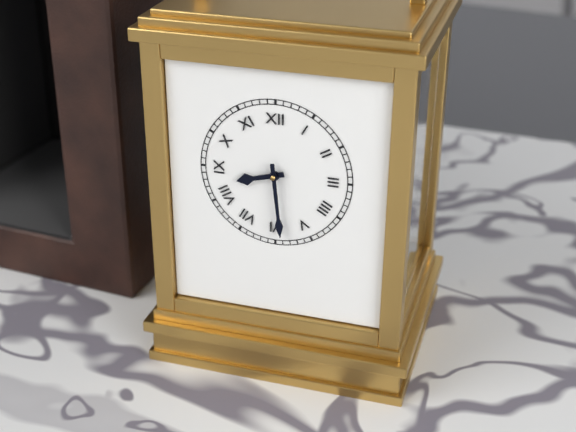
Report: {"hour": 8, "minute": 29}
